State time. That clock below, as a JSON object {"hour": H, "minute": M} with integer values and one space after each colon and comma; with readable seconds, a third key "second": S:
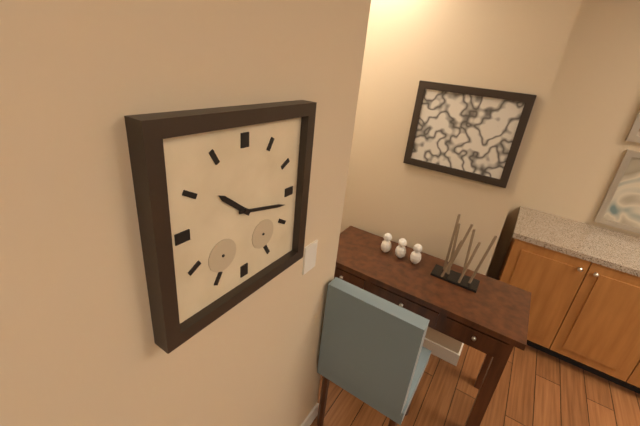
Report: {"hour": 10, "minute": 17}
